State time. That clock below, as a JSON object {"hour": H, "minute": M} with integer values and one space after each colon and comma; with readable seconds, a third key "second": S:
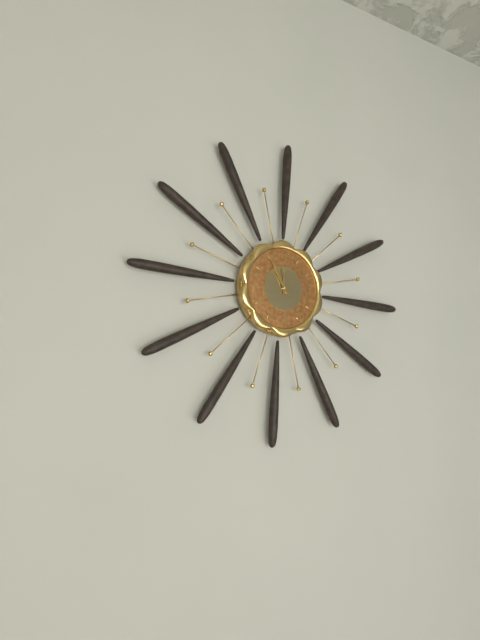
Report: {"hour": 11, "minute": 55}
